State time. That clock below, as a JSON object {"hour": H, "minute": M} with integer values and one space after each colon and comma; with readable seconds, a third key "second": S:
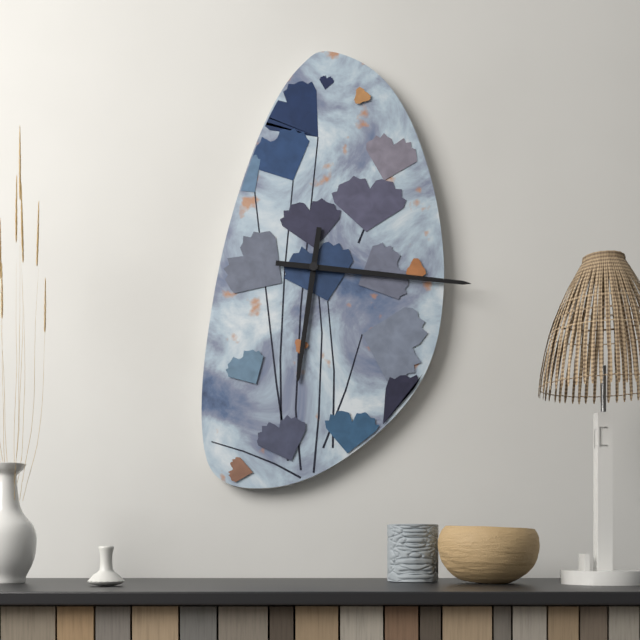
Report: {"hour": 6, "minute": 16}
